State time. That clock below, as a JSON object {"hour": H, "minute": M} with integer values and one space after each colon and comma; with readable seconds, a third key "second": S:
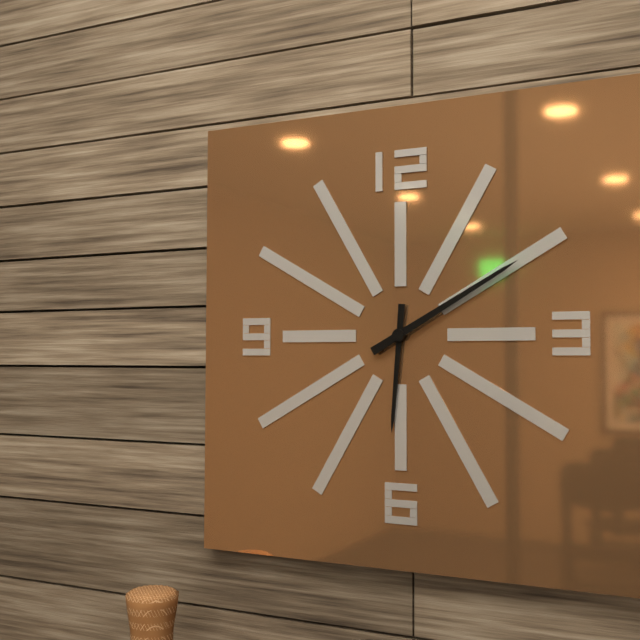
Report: {"hour": 6, "minute": 10}
